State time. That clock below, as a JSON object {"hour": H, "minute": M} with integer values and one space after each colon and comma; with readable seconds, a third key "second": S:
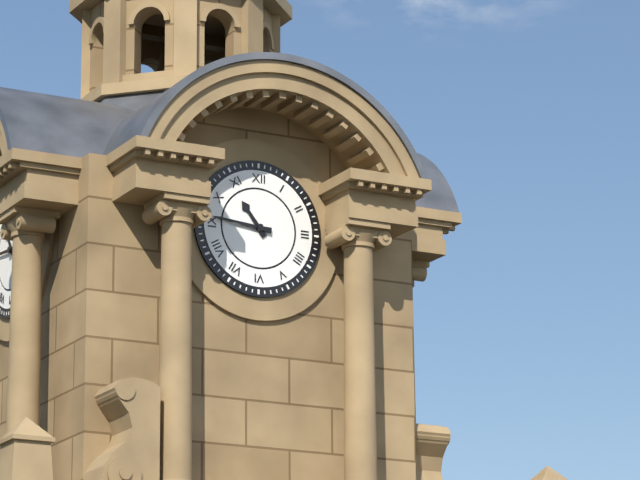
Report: {"hour": 10, "minute": 46}
